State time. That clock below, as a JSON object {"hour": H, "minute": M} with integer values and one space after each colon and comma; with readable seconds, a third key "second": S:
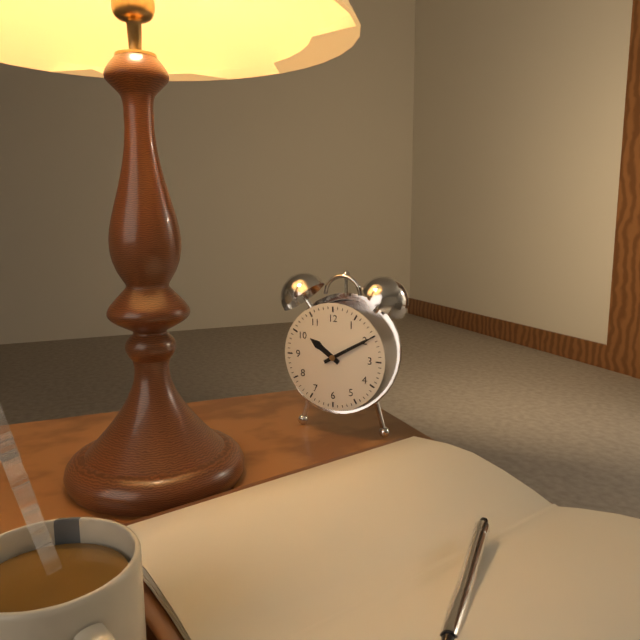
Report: {"hour": 10, "minute": 10}
